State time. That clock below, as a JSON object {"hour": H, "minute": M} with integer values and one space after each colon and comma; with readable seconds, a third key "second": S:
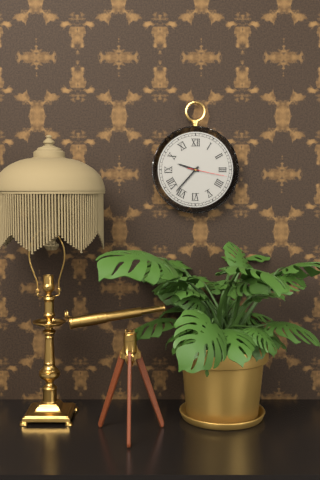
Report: {"hour": 9, "minute": 37}
